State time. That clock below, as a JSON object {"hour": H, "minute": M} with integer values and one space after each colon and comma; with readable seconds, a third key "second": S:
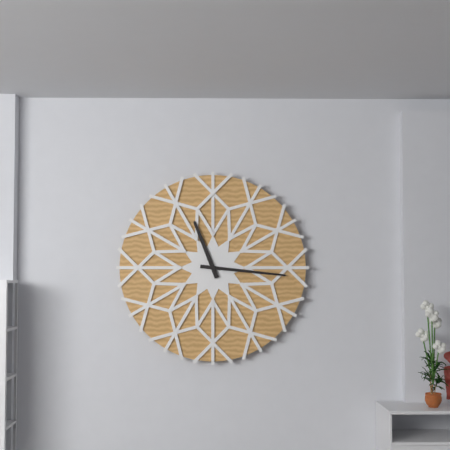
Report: {"hour": 11, "minute": 16}
